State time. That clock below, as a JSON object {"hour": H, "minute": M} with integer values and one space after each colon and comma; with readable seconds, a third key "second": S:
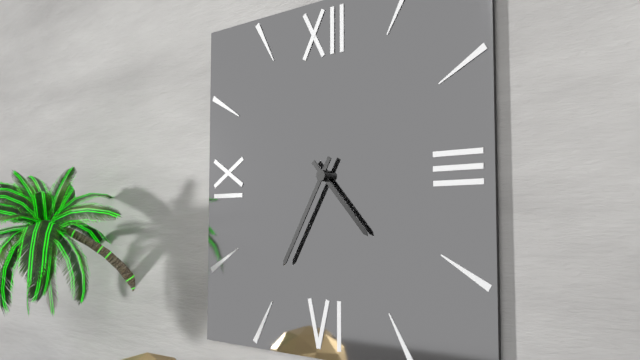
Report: {"hour": 4, "minute": 35}
